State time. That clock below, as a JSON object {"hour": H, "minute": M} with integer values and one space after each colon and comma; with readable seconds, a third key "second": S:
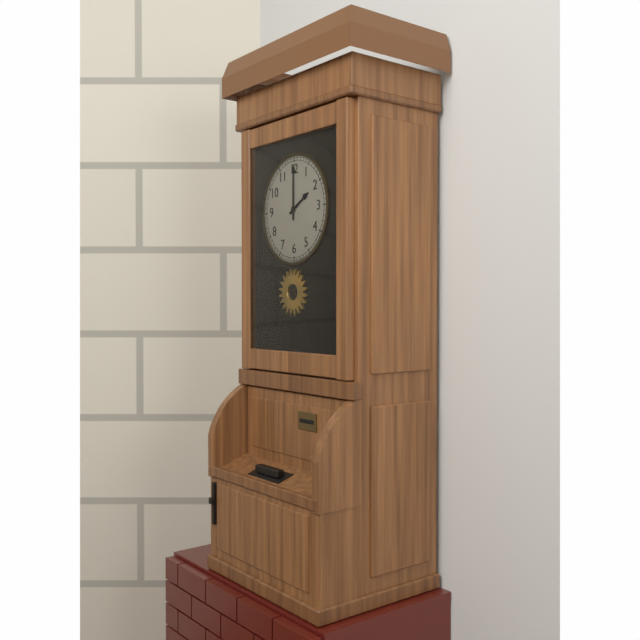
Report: {"hour": 2, "minute": 0}
